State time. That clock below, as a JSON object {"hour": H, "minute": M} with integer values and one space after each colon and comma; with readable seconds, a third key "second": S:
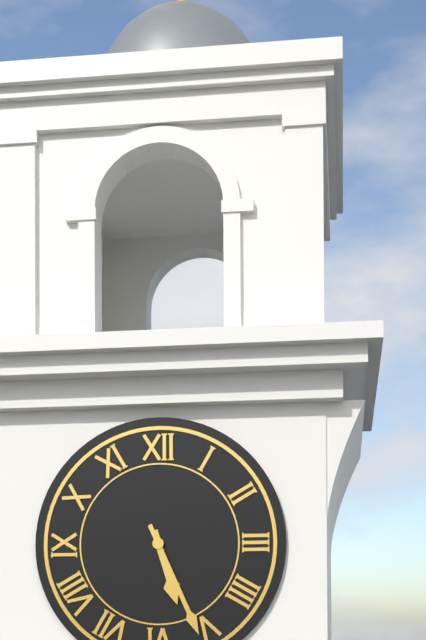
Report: {"hour": 5, "minute": 26}
